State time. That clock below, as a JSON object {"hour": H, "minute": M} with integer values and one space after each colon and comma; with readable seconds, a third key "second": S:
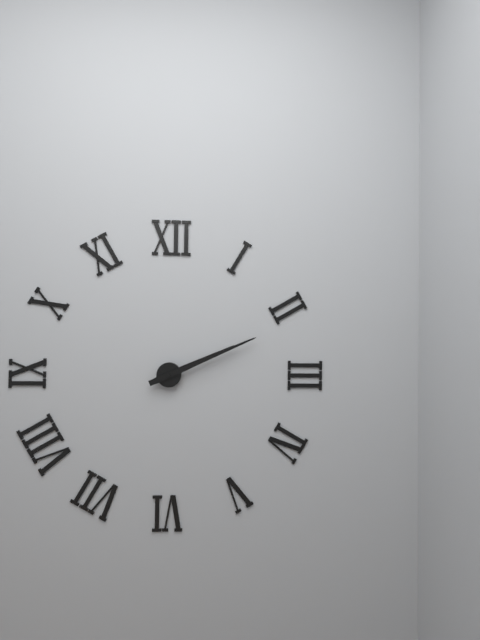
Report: {"hour": 2, "minute": 11}
